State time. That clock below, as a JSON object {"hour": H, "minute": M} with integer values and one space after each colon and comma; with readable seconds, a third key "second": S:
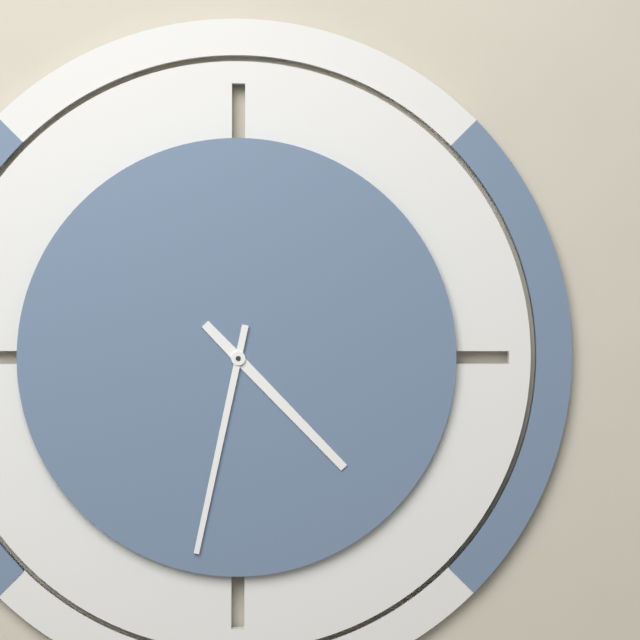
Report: {"hour": 4, "minute": 32}
